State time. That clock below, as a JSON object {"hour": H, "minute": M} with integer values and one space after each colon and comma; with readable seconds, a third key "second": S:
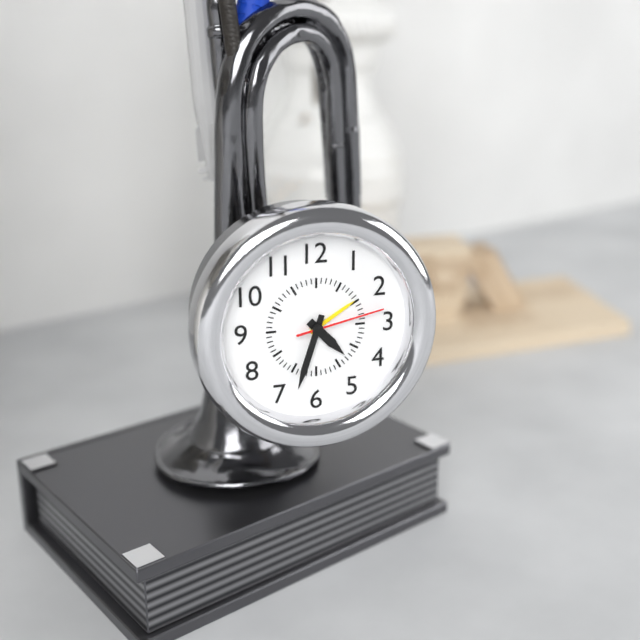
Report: {"hour": 4, "minute": 33, "second": 13}
